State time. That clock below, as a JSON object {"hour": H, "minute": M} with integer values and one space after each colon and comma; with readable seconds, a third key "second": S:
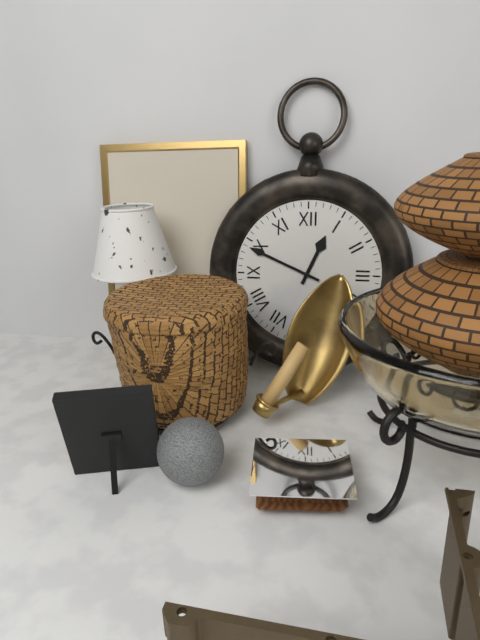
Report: {"hour": 12, "minute": 49}
